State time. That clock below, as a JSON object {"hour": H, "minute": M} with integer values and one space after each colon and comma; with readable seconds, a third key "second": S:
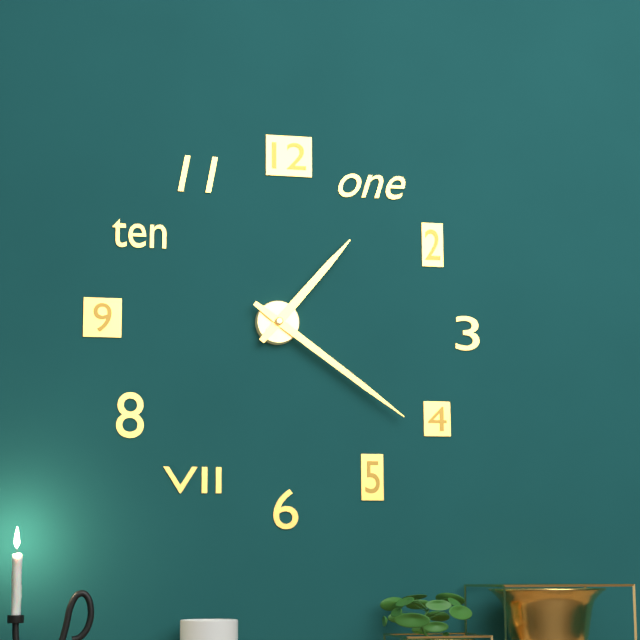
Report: {"hour": 1, "minute": 21}
